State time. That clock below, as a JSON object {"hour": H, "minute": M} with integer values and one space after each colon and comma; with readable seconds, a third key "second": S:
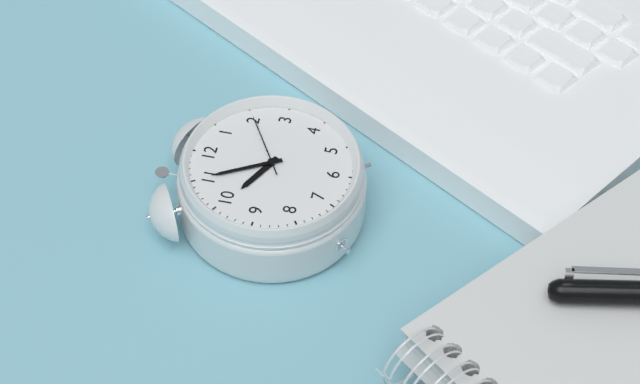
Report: {"hour": 9, "minute": 55, "second": 10}
